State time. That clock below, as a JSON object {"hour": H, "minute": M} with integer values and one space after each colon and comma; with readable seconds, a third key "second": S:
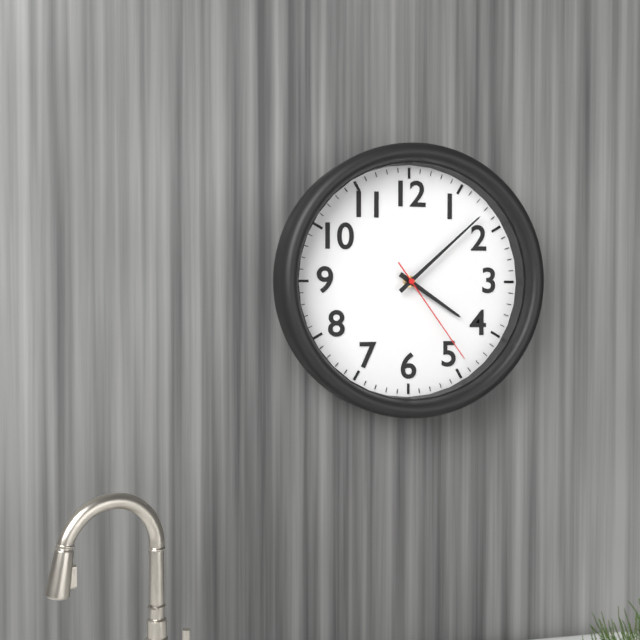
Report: {"hour": 4, "minute": 8, "second": 24}
